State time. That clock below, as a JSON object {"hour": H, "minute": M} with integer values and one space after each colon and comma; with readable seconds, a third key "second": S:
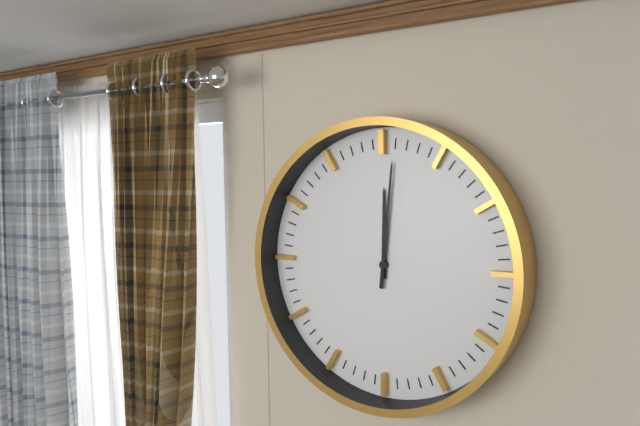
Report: {"hour": 12, "minute": 1}
